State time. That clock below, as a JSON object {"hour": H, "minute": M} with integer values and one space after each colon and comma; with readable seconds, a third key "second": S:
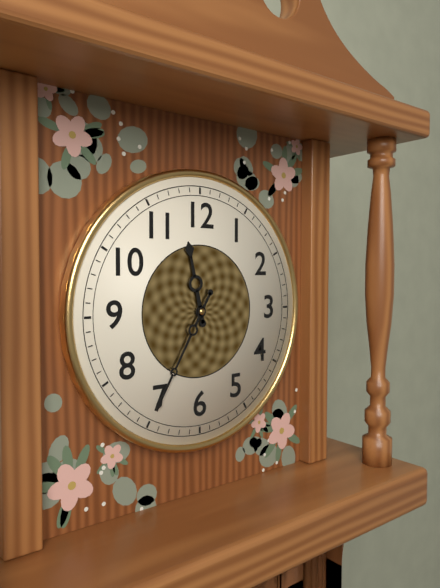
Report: {"hour": 11, "minute": 35}
